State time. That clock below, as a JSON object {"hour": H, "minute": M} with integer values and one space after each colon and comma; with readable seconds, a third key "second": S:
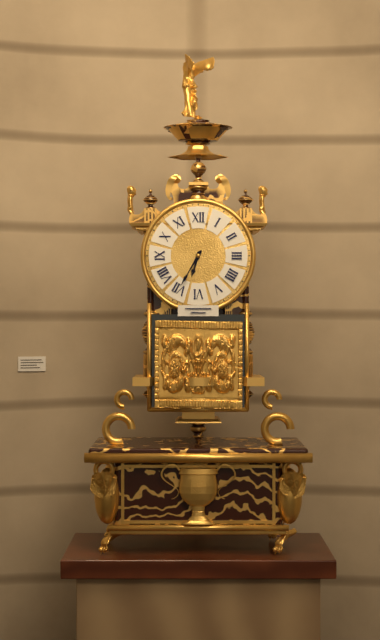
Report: {"hour": 6, "minute": 35}
